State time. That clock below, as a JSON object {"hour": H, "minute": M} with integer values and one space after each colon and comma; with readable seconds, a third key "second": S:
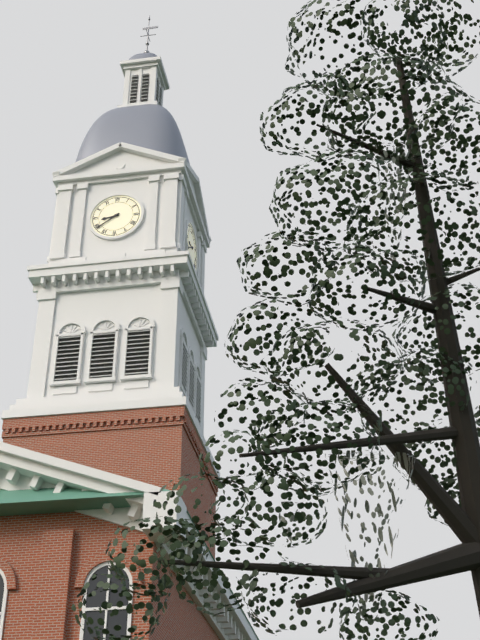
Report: {"hour": 8, "minute": 39}
